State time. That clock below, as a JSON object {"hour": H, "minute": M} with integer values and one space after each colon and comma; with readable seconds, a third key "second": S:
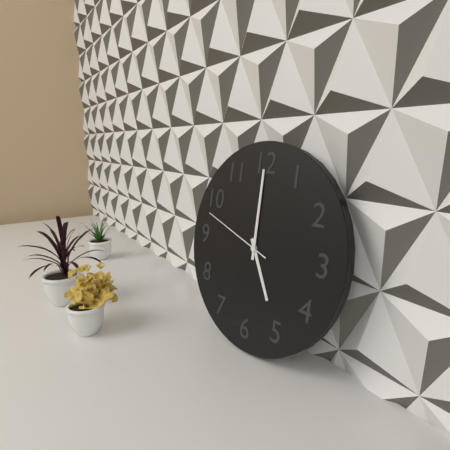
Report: {"hour": 5, "minute": 0, "second": 48}
